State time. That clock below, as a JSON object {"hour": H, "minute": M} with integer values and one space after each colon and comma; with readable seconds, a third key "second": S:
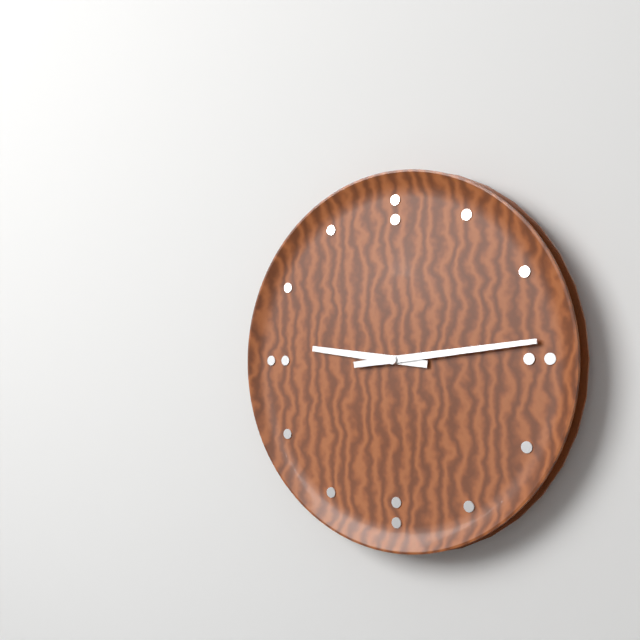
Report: {"hour": 9, "minute": 14}
